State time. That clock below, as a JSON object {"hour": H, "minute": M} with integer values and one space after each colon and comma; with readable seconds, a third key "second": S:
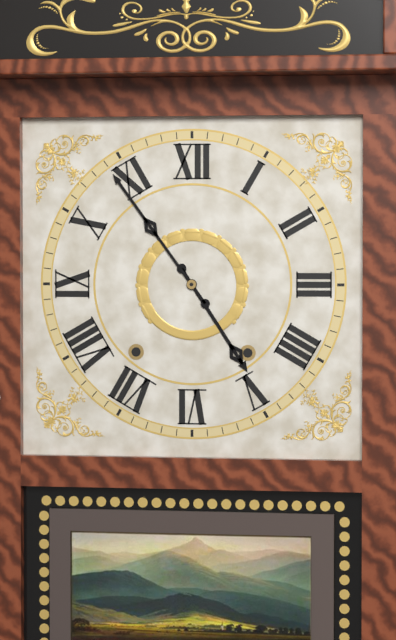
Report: {"hour": 4, "minute": 54}
